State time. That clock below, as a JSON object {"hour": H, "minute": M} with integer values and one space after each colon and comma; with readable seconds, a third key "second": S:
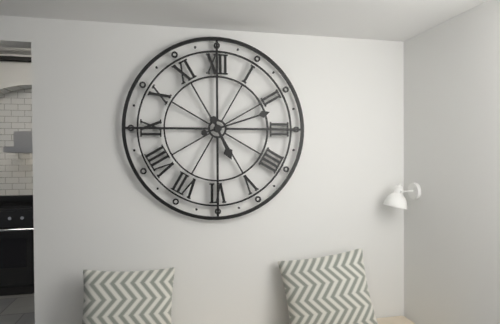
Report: {"hour": 5, "minute": 12}
